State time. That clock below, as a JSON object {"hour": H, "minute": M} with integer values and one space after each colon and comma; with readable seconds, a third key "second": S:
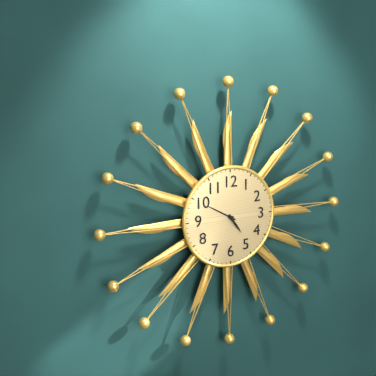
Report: {"hour": 4, "minute": 50}
